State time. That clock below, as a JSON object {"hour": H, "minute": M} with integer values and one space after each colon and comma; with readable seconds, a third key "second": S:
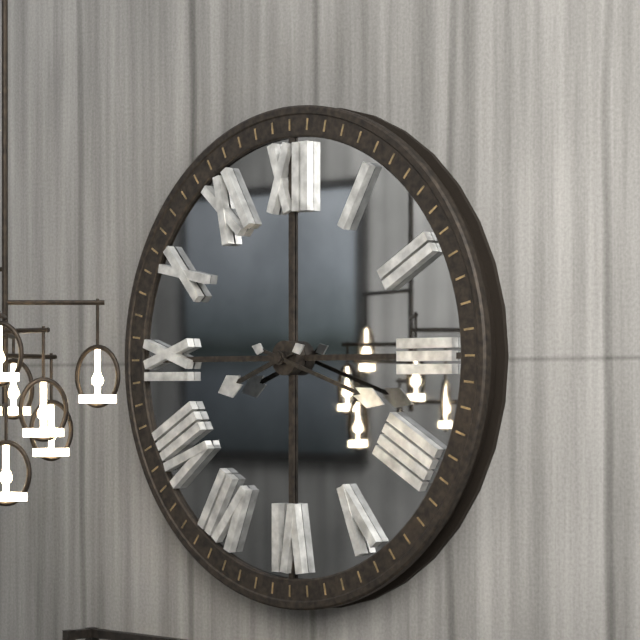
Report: {"hour": 8, "minute": 18}
